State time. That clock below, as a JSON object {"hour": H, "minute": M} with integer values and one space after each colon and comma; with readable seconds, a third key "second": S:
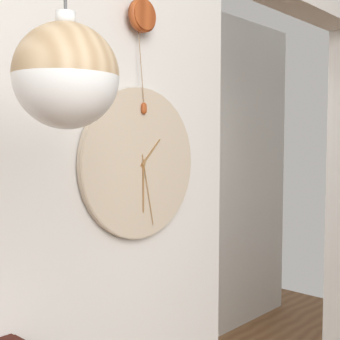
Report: {"hour": 1, "minute": 30, "second": 28}
